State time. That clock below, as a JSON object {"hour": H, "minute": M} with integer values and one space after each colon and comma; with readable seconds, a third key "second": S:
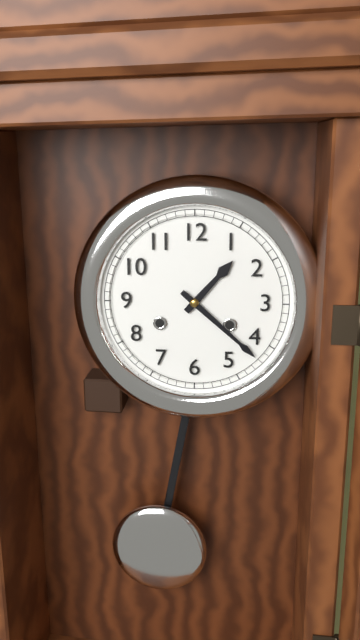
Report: {"hour": 1, "minute": 22}
